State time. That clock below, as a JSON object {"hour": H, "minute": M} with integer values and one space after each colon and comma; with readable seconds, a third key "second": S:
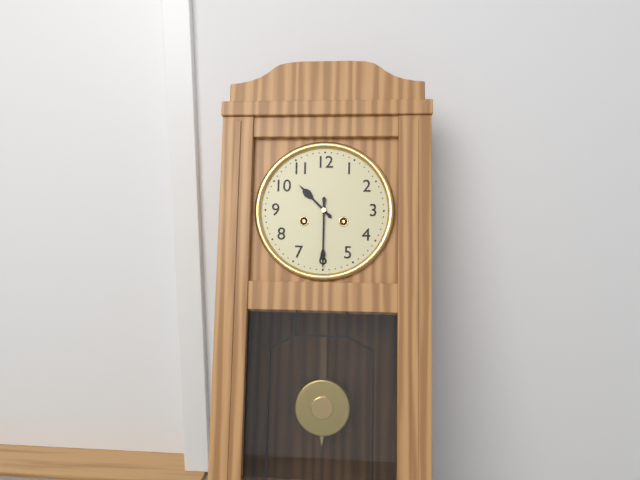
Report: {"hour": 10, "minute": 30}
